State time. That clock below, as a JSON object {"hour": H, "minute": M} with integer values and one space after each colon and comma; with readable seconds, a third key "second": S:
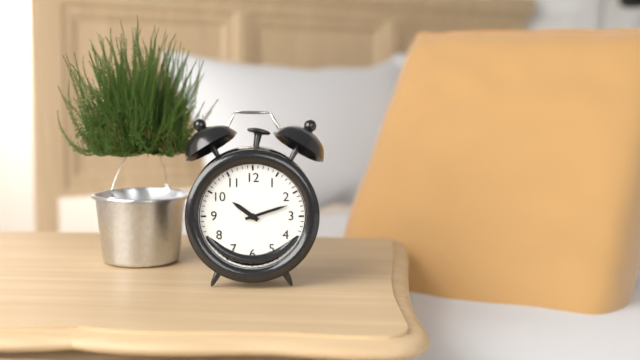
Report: {"hour": 10, "minute": 12}
